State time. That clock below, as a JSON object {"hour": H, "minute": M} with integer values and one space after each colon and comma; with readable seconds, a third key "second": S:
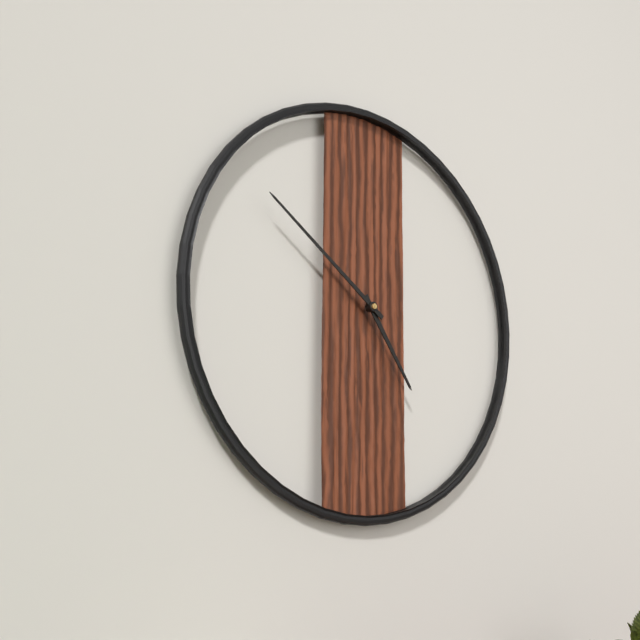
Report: {"hour": 4, "minute": 51}
